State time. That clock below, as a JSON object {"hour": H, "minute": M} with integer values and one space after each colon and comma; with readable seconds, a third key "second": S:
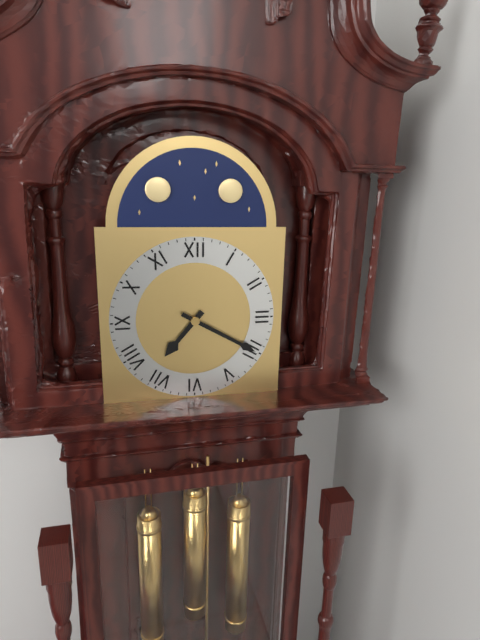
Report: {"hour": 7, "minute": 20}
